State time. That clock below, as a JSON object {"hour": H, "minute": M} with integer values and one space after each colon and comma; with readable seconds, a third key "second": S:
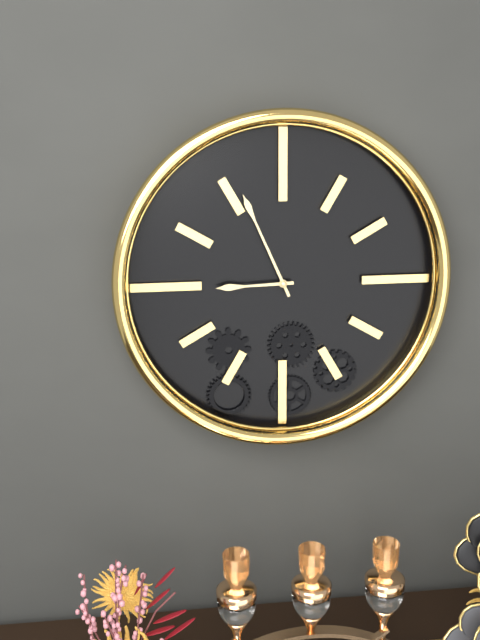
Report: {"hour": 8, "minute": 56}
